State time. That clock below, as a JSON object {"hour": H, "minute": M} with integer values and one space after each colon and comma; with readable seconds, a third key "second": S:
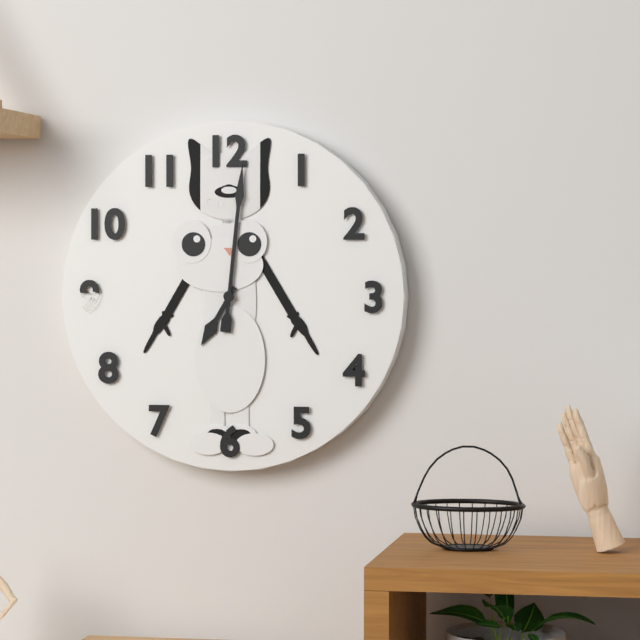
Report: {"hour": 7, "minute": 1}
